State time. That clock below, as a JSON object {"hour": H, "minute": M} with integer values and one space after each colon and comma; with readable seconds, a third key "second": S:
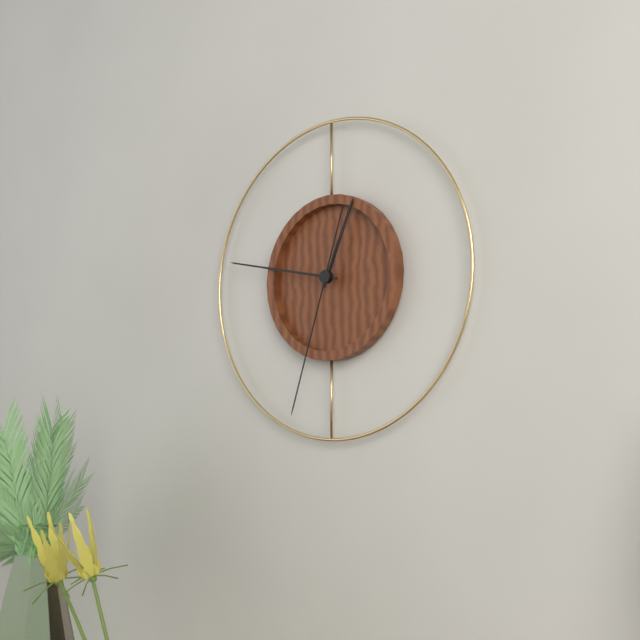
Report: {"hour": 12, "minute": 47, "second": 33}
